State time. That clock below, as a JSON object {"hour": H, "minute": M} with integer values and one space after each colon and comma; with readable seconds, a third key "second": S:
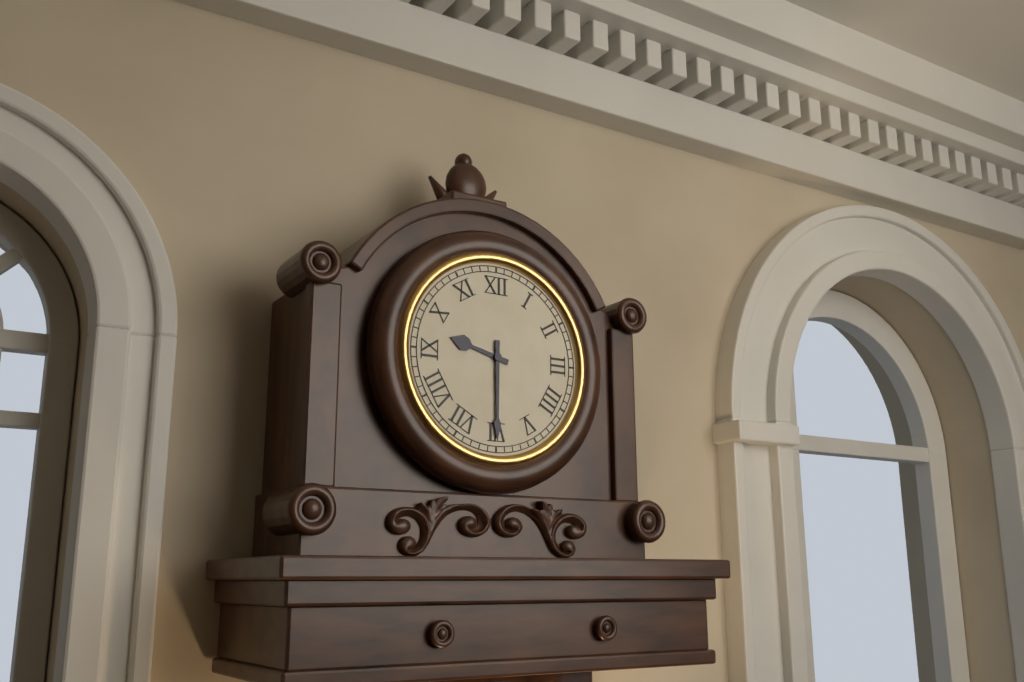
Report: {"hour": 9, "minute": 30}
